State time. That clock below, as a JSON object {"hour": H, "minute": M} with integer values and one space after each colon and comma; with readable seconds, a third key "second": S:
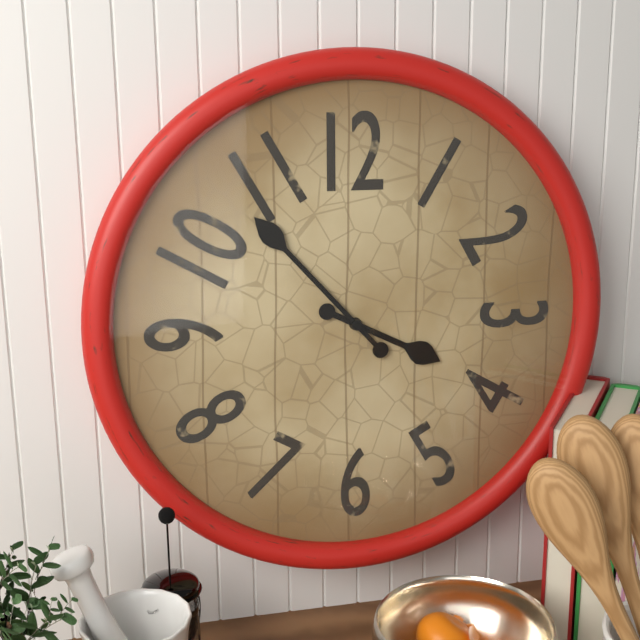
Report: {"hour": 3, "minute": 53}
